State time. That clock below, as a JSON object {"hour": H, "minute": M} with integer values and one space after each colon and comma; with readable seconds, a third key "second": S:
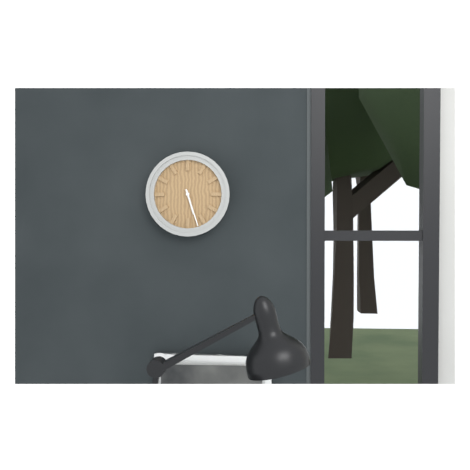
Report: {"hour": 5, "minute": 27}
